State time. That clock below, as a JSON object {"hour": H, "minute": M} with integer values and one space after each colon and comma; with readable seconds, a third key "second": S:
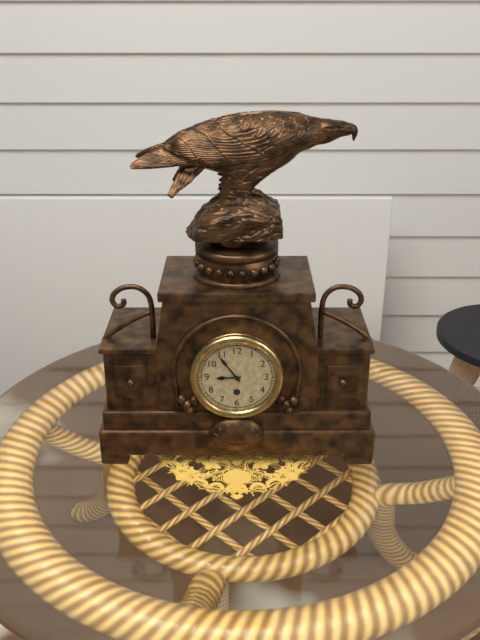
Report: {"hour": 8, "minute": 54}
